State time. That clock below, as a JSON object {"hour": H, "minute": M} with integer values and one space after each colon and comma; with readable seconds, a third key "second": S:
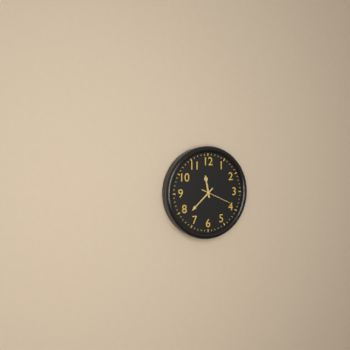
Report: {"hour": 11, "minute": 38}
